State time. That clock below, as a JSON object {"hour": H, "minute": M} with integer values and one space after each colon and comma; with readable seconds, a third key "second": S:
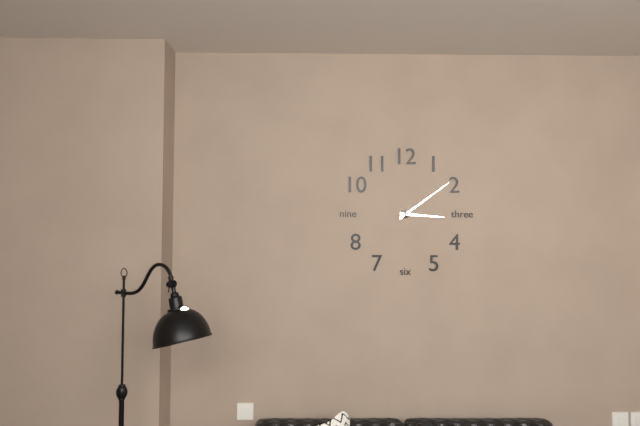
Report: {"hour": 3, "minute": 9}
